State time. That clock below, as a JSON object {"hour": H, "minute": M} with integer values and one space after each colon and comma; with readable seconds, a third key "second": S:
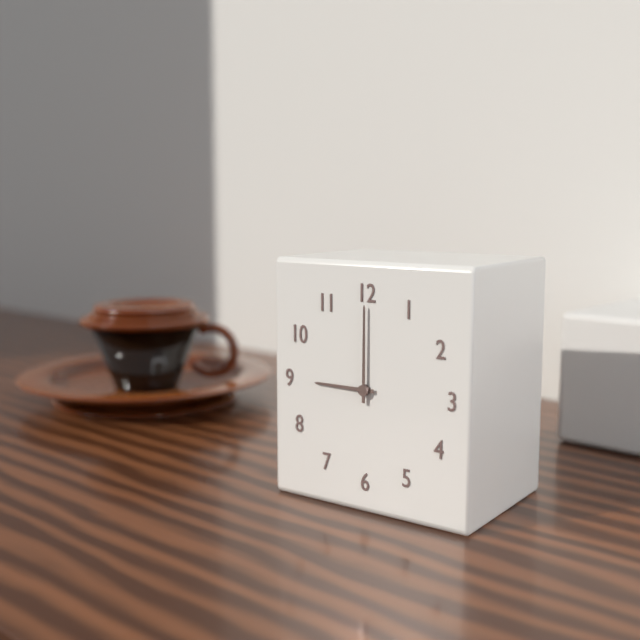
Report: {"hour": 9, "minute": 0}
